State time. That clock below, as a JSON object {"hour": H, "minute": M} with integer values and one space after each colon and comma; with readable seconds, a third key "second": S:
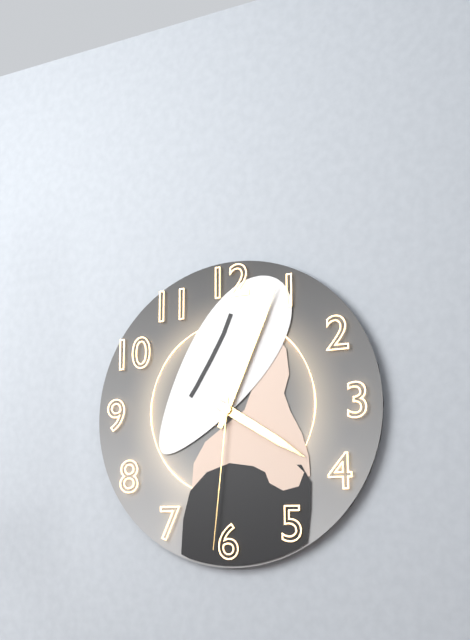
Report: {"hour": 4, "minute": 4, "second": 31}
